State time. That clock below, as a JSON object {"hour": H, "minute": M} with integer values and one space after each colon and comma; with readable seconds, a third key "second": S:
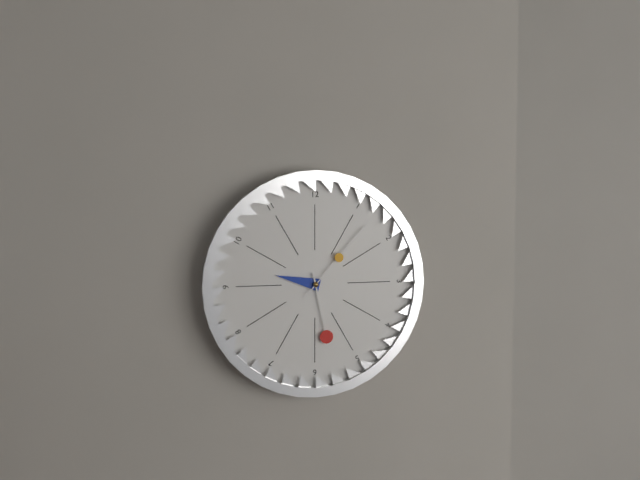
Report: {"hour": 9, "minute": 28, "second": 7}
